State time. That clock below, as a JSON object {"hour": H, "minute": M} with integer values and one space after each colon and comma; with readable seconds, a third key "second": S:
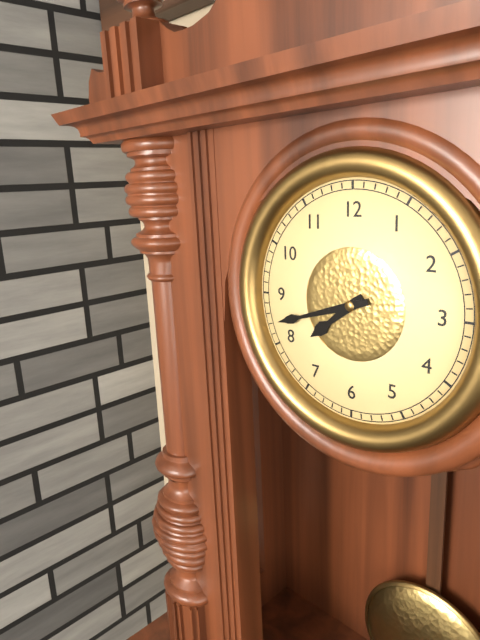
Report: {"hour": 7, "minute": 42}
